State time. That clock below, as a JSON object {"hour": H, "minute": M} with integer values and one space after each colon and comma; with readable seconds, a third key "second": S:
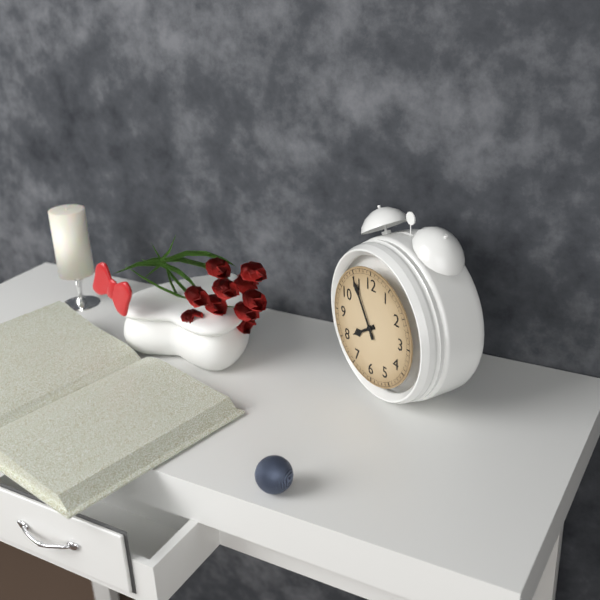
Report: {"hour": 7, "minute": 55}
